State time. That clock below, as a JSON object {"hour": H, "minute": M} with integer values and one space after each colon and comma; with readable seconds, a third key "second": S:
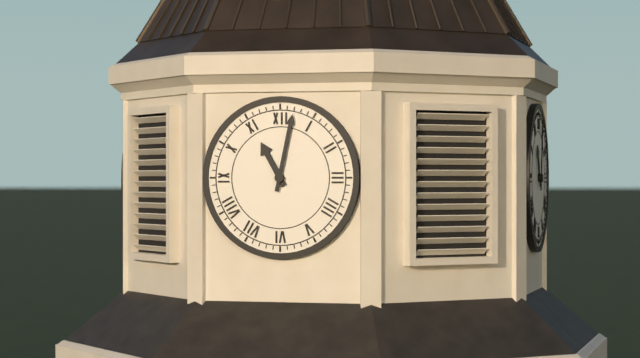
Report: {"hour": 11, "minute": 2}
